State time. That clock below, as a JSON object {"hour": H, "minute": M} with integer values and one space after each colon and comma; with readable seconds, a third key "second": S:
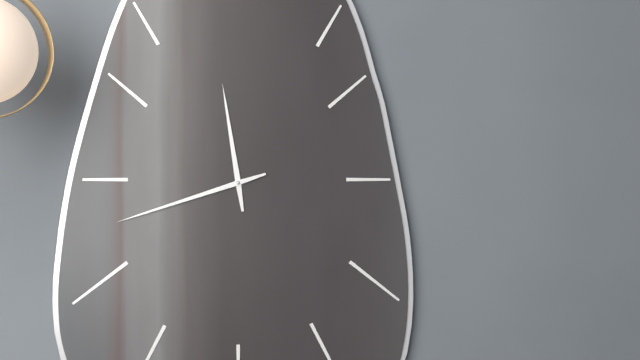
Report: {"hour": 11, "minute": 42}
